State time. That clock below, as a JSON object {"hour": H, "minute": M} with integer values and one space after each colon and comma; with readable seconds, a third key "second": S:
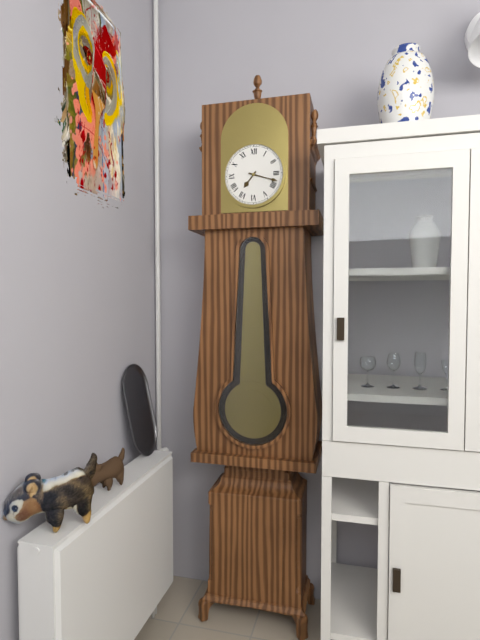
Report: {"hour": 7, "minute": 18}
